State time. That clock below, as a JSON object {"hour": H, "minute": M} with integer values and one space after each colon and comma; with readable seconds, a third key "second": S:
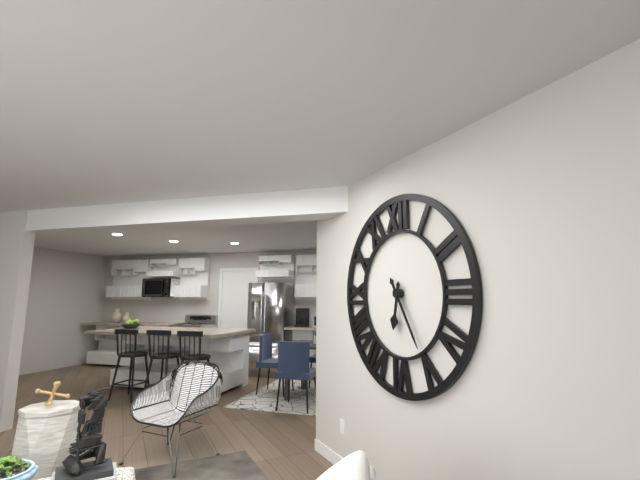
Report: {"hour": 6, "minute": 25}
